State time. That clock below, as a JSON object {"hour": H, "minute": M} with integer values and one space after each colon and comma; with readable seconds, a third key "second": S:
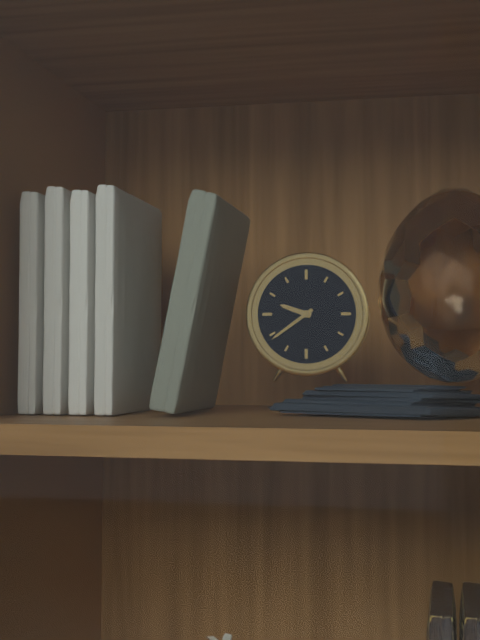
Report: {"hour": 9, "minute": 39}
